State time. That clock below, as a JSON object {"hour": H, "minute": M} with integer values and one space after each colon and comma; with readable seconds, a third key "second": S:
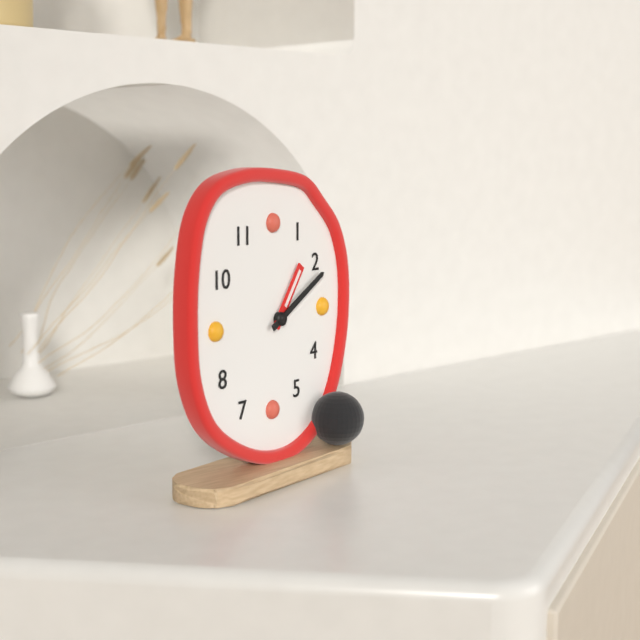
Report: {"hour": 1, "minute": 10}
